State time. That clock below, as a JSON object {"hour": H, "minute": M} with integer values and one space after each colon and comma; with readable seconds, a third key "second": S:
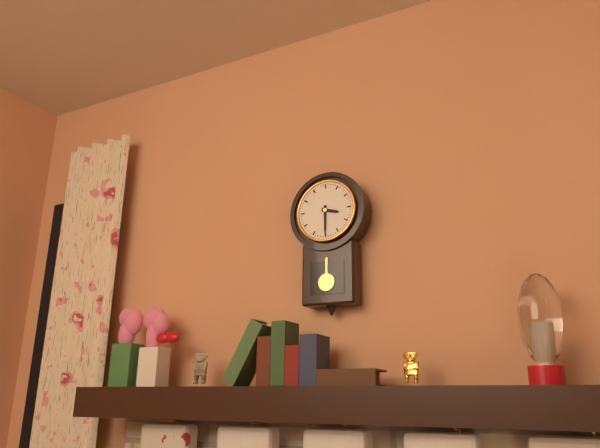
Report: {"hour": 3, "minute": 30}
